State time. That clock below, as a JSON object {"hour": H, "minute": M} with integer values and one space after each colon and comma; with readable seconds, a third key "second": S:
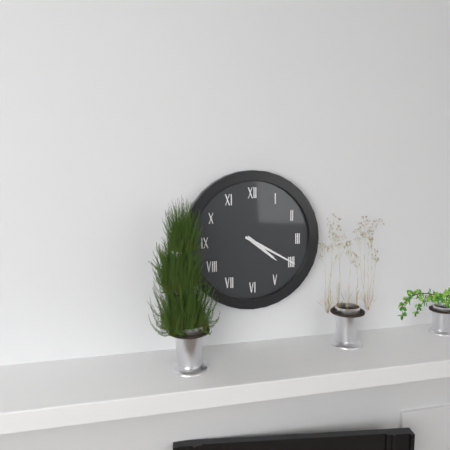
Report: {"hour": 4, "minute": 20}
